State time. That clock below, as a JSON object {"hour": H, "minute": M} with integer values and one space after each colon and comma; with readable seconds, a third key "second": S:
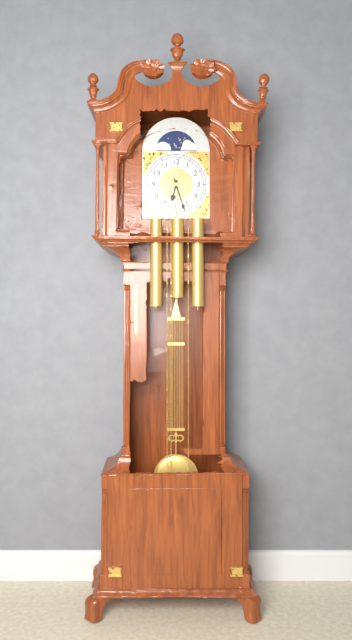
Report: {"hour": 6, "minute": 27}
